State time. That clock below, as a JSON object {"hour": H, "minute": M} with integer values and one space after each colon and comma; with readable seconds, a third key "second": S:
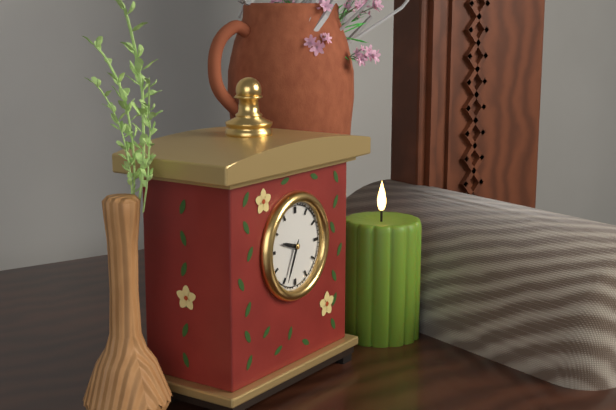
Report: {"hour": 9, "minute": 34}
